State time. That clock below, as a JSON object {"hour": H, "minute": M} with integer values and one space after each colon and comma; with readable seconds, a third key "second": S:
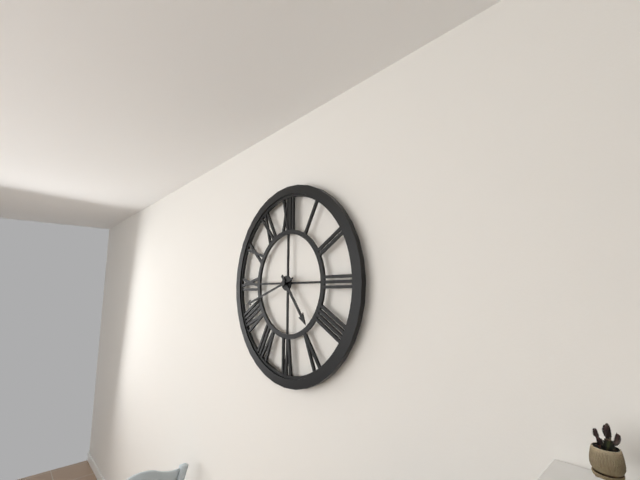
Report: {"hour": 4, "minute": 42}
